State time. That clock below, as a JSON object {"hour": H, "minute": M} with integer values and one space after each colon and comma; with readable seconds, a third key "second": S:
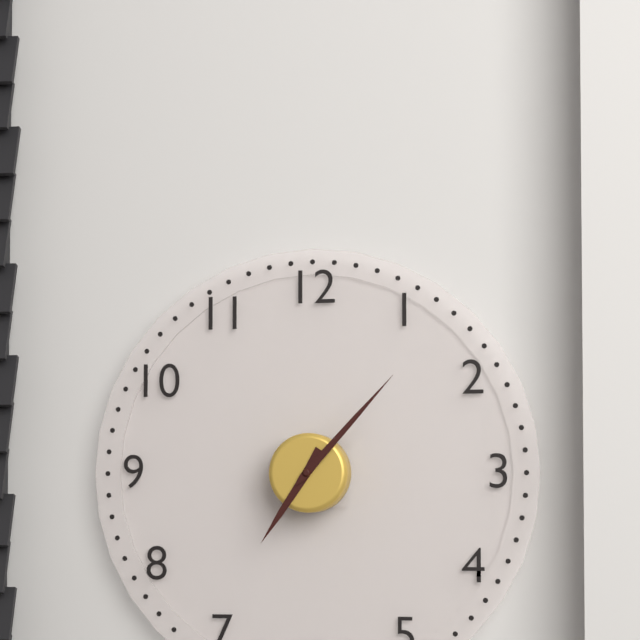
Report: {"hour": 7, "minute": 7}
